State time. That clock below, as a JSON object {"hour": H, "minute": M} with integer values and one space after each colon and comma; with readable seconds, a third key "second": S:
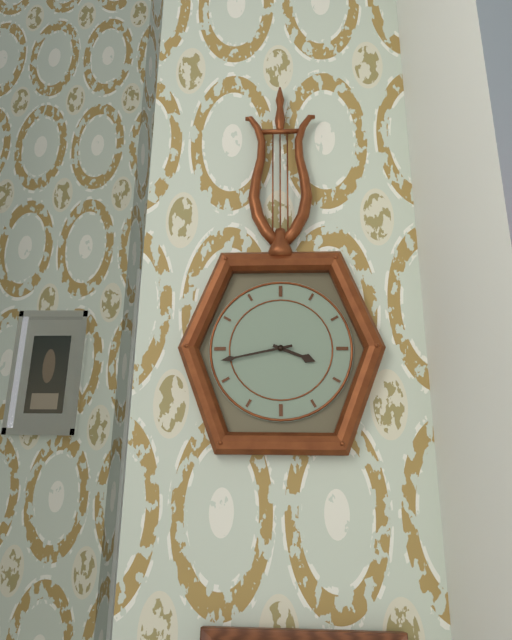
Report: {"hour": 3, "minute": 43}
